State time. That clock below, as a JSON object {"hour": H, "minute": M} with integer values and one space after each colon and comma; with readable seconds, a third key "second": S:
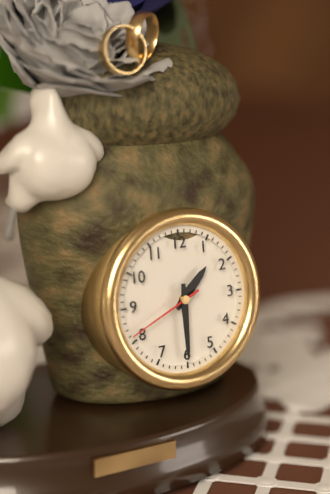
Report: {"hour": 1, "minute": 30, "second": 41}
